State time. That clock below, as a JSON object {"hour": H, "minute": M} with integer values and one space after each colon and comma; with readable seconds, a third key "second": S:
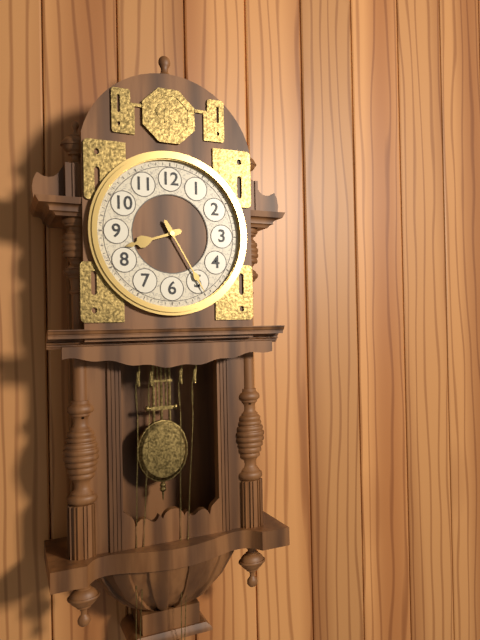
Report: {"hour": 8, "minute": 25}
